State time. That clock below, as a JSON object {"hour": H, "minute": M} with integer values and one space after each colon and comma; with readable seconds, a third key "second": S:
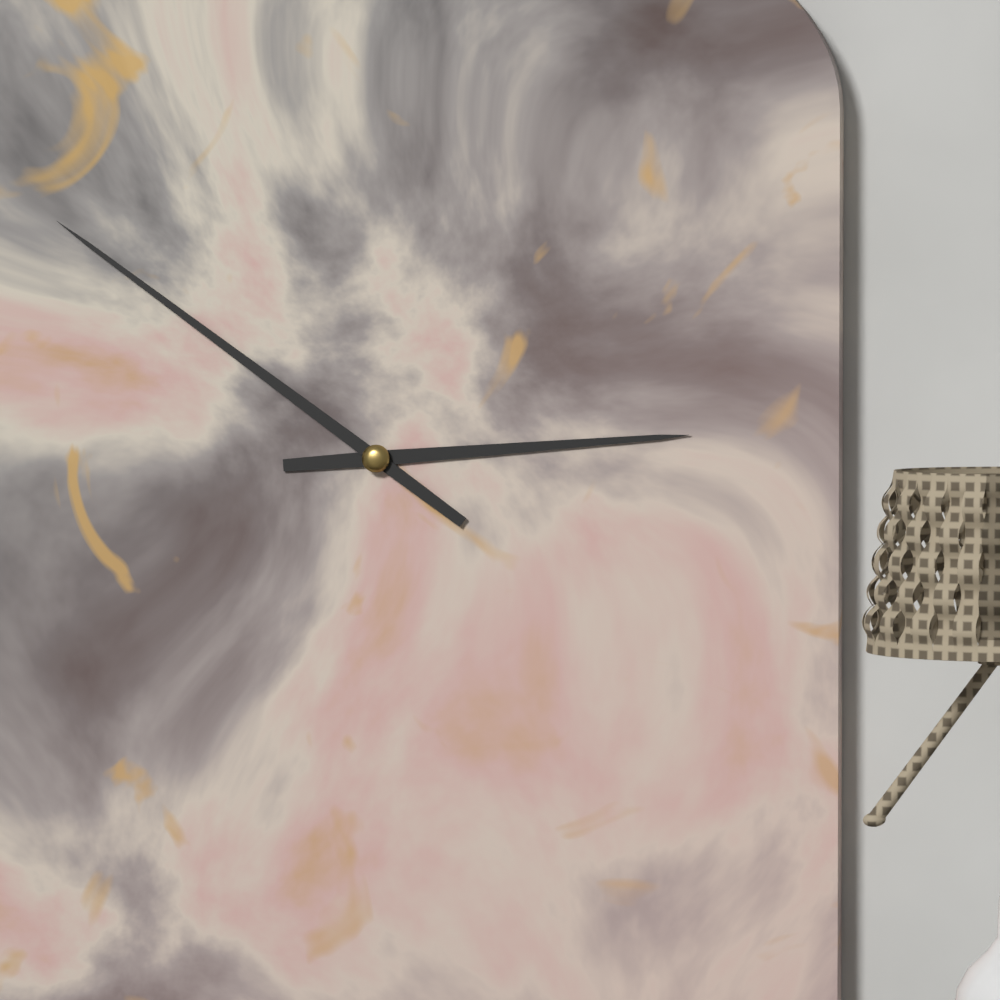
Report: {"hour": 2, "minute": 51}
